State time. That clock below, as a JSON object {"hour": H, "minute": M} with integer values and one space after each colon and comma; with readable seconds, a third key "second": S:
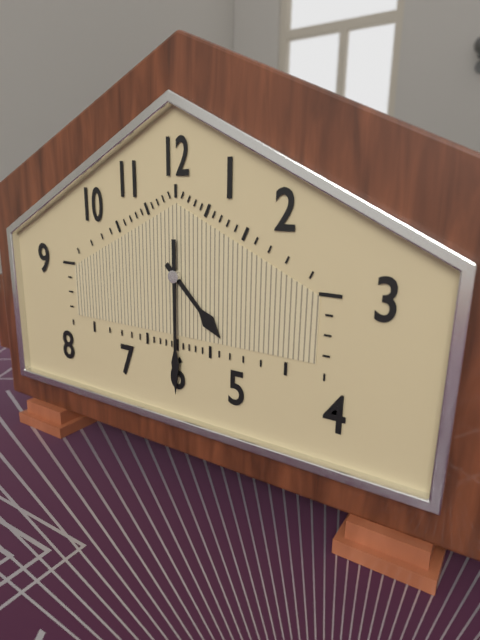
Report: {"hour": 4, "minute": 30}
